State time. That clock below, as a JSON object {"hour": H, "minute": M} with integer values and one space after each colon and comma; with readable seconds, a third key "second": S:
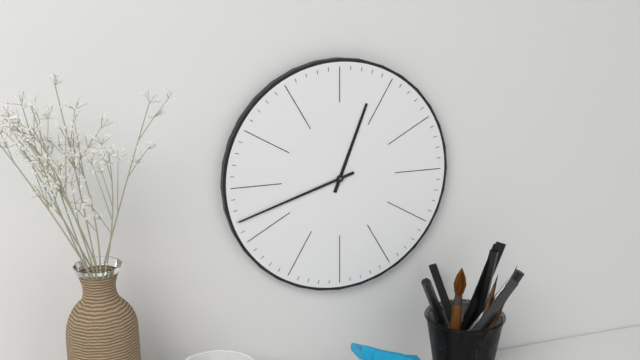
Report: {"hour": 12, "minute": 42}
